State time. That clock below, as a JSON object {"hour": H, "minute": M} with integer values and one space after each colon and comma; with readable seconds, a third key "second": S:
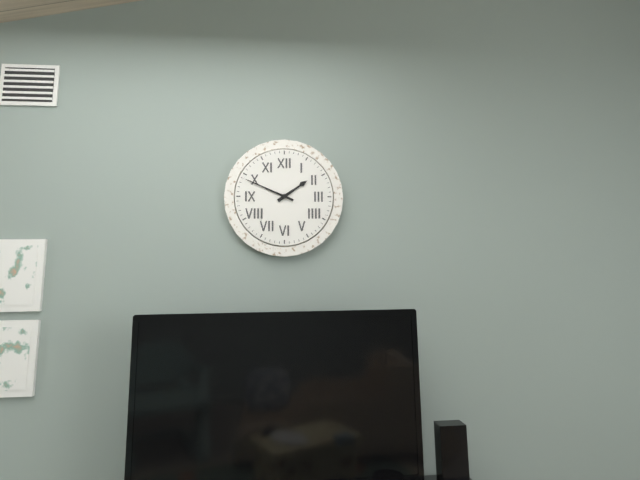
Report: {"hour": 1, "minute": 49}
